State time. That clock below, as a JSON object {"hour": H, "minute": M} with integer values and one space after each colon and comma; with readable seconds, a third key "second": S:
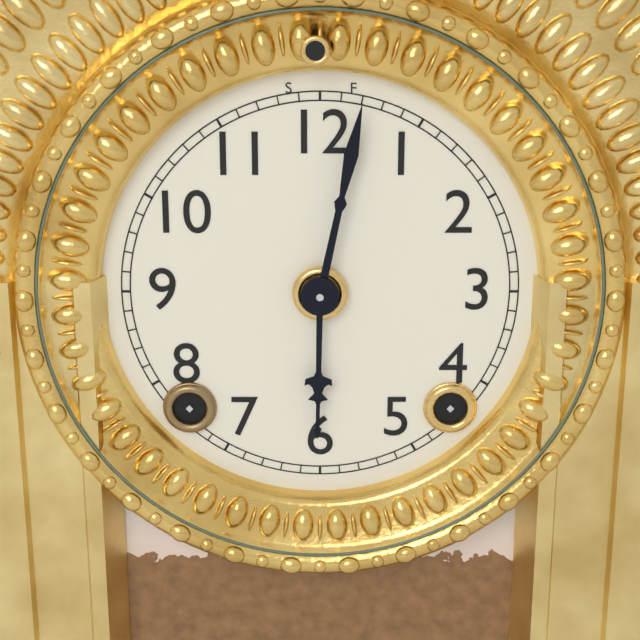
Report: {"hour": 6, "minute": 2}
